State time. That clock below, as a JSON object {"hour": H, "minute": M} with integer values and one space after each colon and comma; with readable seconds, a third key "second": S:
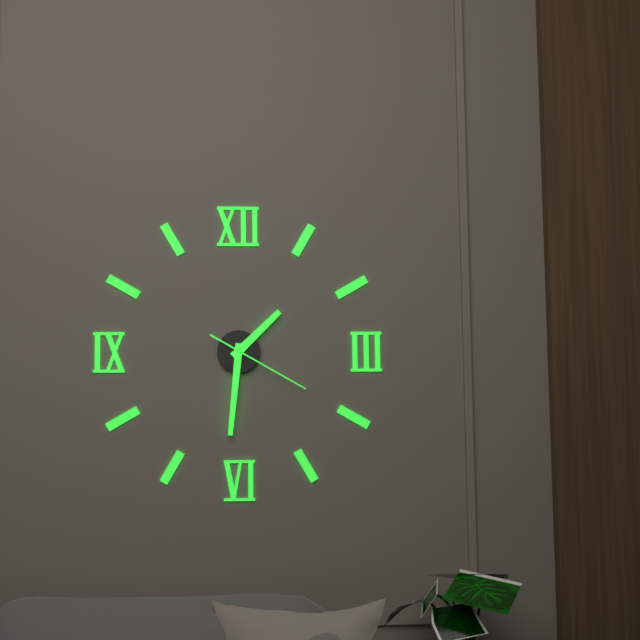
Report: {"hour": 1, "minute": 31, "second": 20}
